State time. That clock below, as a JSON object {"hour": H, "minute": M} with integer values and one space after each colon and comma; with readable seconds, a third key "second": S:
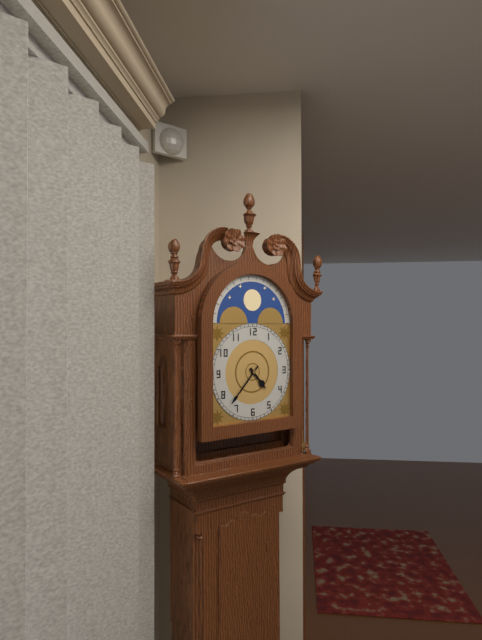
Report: {"hour": 4, "minute": 37}
